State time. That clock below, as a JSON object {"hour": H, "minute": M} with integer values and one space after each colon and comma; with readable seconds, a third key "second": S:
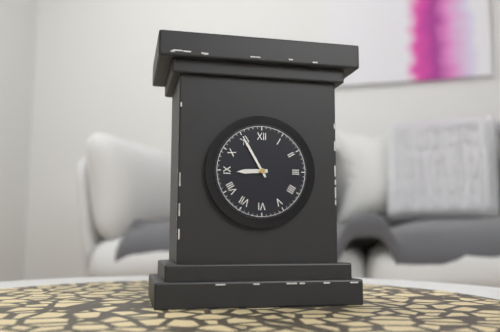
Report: {"hour": 8, "minute": 55}
